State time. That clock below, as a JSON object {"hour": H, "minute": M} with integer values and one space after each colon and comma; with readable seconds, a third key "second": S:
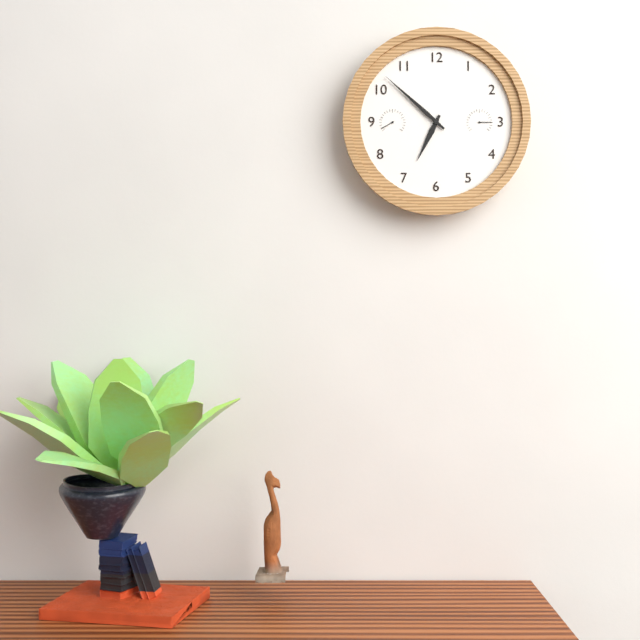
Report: {"hour": 6, "minute": 52}
